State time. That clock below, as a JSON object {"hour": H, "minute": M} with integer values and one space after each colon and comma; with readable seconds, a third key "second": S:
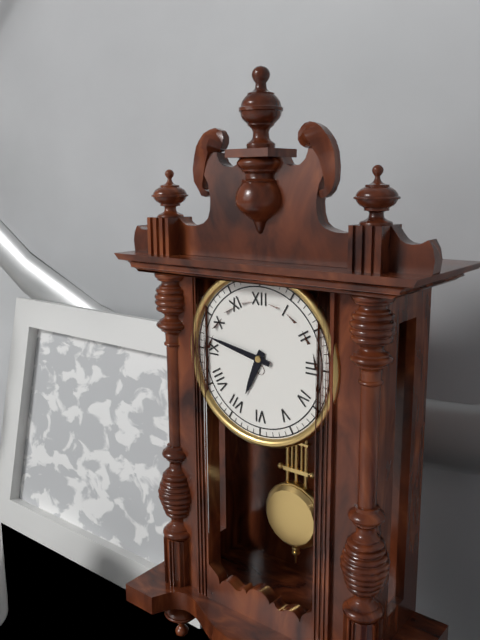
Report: {"hour": 6, "minute": 47}
